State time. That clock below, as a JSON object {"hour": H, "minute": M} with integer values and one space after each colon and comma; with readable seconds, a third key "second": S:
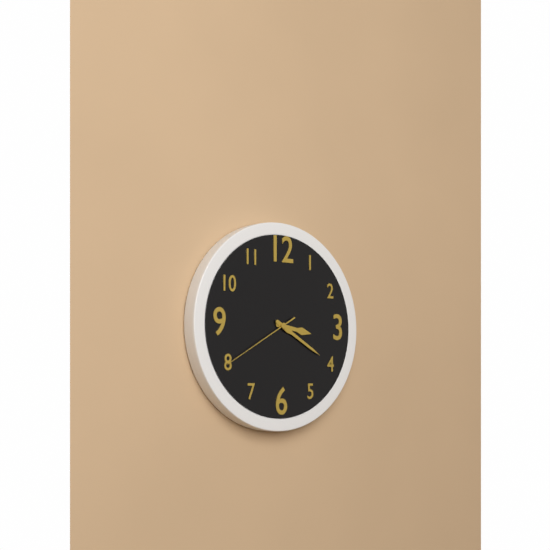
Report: {"hour": 3, "minute": 20, "second": 40}
